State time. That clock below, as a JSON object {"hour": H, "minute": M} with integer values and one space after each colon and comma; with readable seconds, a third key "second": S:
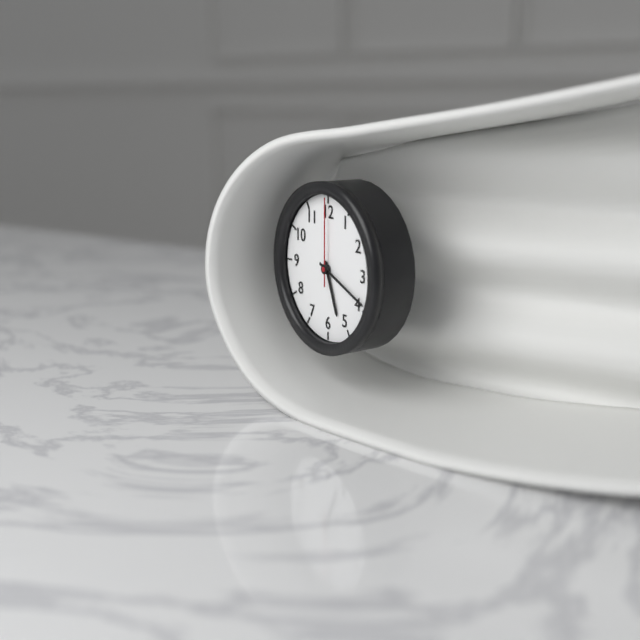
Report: {"hour": 5, "minute": 19, "second": 0}
